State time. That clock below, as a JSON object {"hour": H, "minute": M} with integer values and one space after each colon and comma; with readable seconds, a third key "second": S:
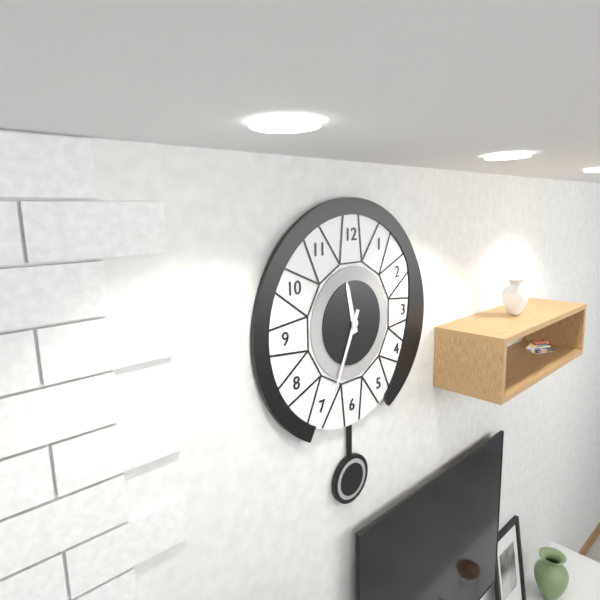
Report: {"hour": 11, "minute": 34}
